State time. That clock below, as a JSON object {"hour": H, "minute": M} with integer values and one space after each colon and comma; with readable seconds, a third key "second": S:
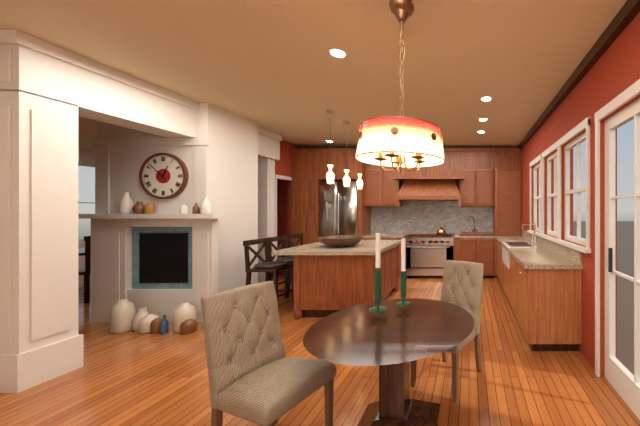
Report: {"hour": 12, "minute": 52}
